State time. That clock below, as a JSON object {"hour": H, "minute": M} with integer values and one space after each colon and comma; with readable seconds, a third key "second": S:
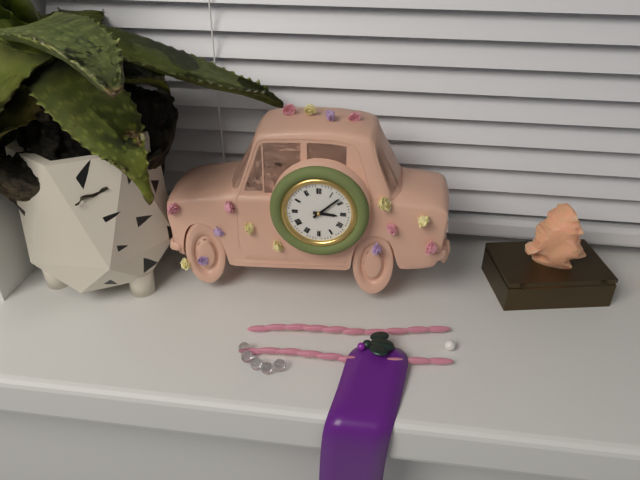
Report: {"hour": 3, "minute": 8}
